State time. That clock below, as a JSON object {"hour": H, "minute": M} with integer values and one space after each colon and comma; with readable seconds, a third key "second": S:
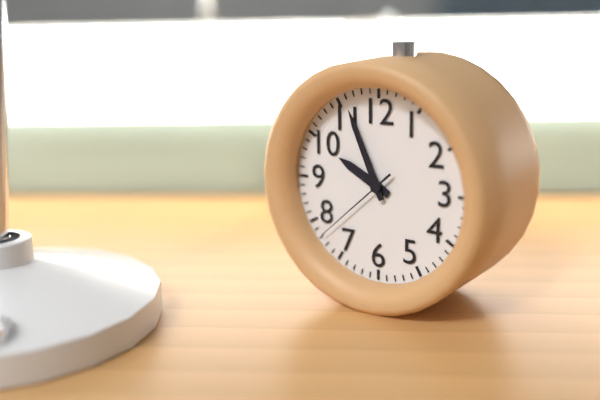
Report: {"hour": 9, "minute": 56, "second": 38}
